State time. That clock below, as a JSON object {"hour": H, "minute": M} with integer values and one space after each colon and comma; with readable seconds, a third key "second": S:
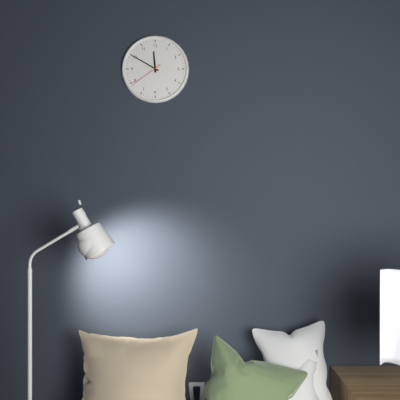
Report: {"hour": 11, "minute": 50}
